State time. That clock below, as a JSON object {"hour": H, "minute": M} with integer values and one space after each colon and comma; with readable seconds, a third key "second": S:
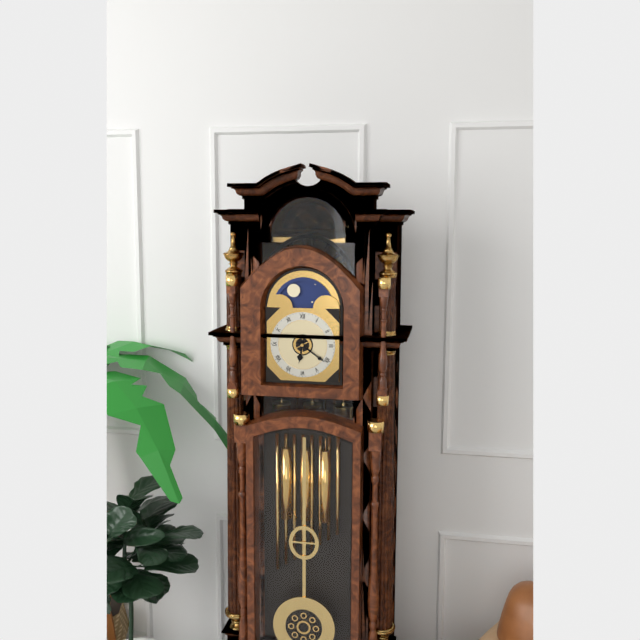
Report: {"hour": 6, "minute": 21}
